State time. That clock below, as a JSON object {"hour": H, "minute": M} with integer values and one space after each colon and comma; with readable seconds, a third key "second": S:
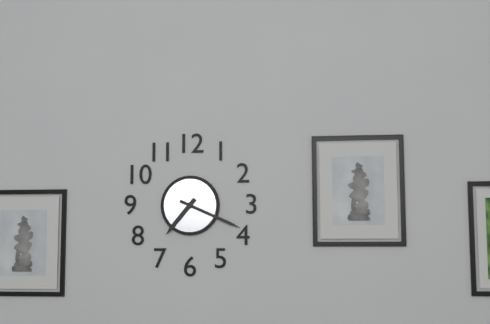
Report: {"hour": 7, "minute": 19}
